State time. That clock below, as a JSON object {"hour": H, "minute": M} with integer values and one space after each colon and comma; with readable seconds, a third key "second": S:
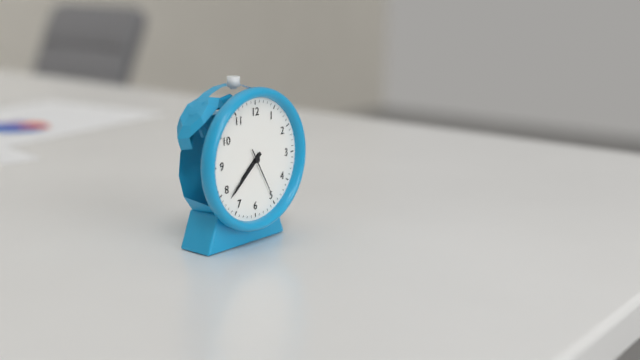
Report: {"hour": 7, "minute": 38}
